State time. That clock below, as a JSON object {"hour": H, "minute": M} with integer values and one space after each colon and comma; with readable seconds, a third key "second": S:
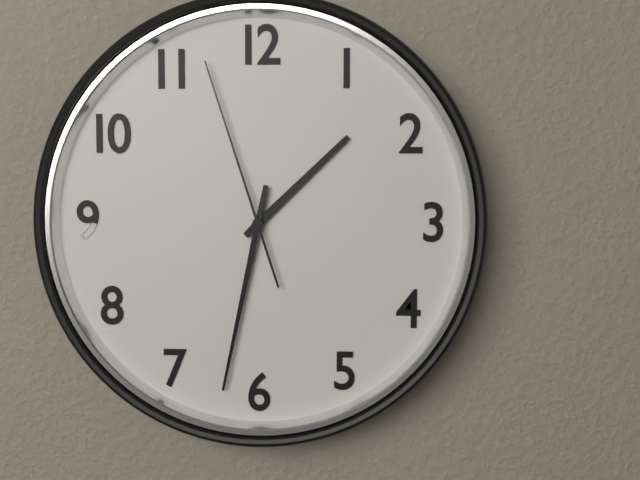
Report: {"hour": 1, "minute": 32, "second": 57}
